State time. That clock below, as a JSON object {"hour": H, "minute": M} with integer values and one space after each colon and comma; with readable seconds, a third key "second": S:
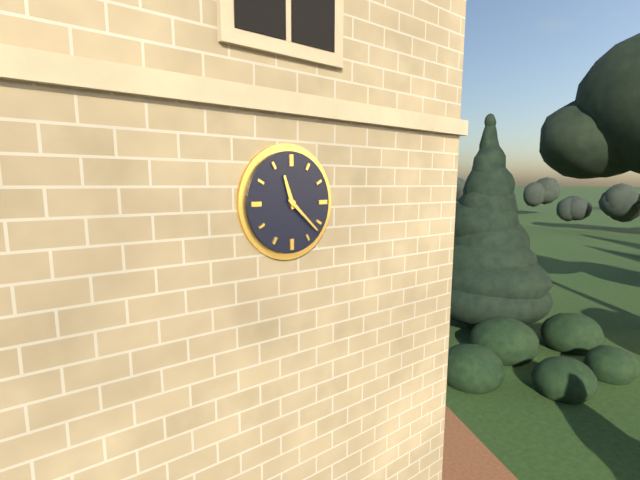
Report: {"hour": 11, "minute": 22}
